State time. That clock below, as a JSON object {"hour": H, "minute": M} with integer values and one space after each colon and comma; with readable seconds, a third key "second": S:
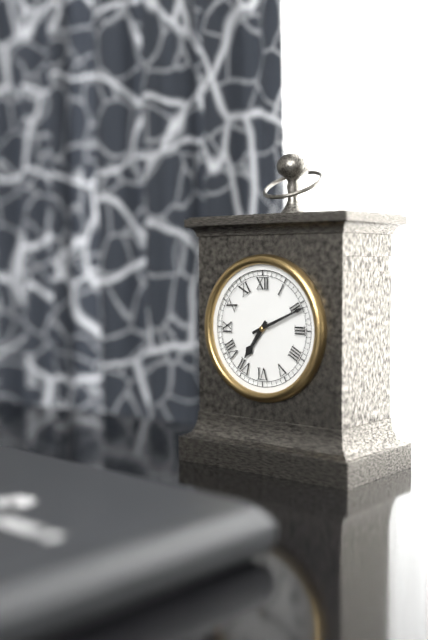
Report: {"hour": 7, "minute": 11}
